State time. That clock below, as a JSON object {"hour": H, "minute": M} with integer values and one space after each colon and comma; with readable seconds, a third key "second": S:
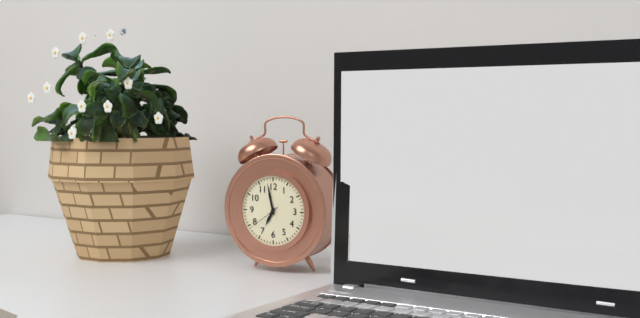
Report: {"hour": 6, "minute": 58}
